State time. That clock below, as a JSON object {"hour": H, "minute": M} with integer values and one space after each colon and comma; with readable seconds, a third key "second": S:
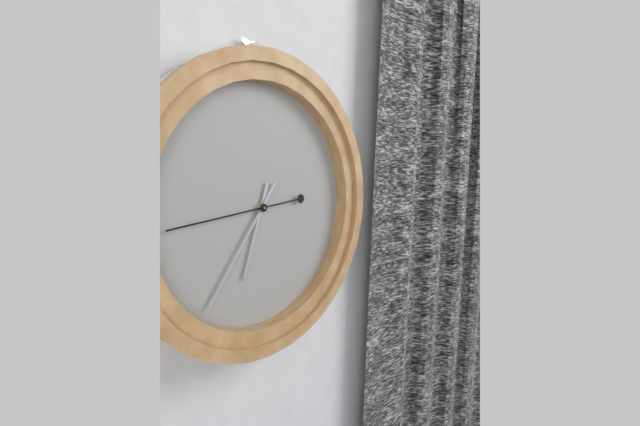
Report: {"hour": 6, "minute": 36, "second": 44}
